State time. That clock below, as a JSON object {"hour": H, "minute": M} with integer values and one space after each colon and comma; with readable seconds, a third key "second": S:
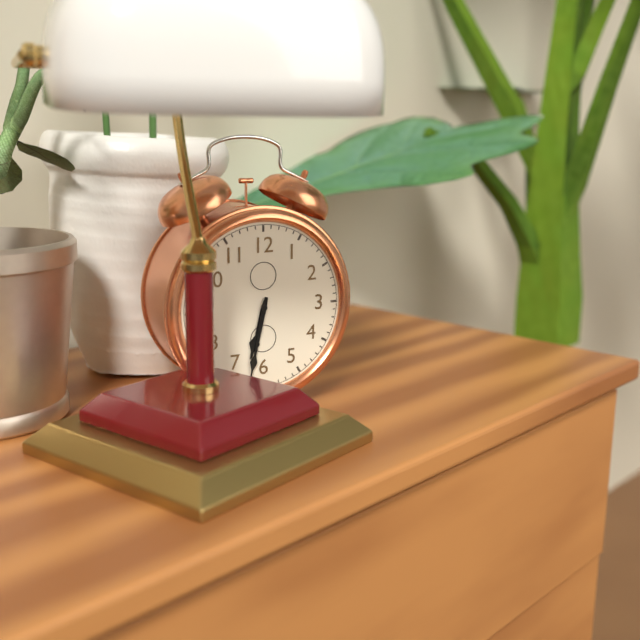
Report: {"hour": 6, "minute": 32}
